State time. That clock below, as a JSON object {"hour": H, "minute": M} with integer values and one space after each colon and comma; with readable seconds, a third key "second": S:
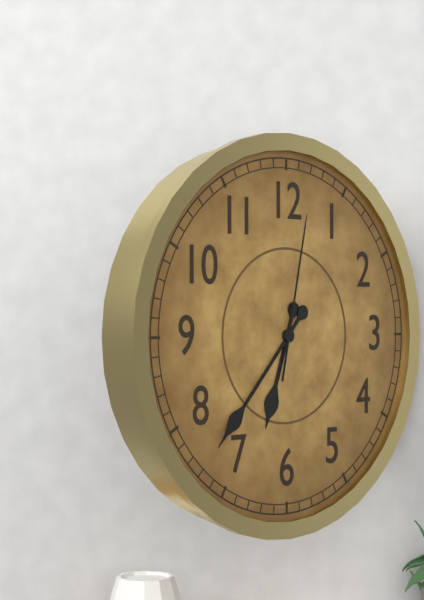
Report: {"hour": 6, "minute": 37, "second": 2}
